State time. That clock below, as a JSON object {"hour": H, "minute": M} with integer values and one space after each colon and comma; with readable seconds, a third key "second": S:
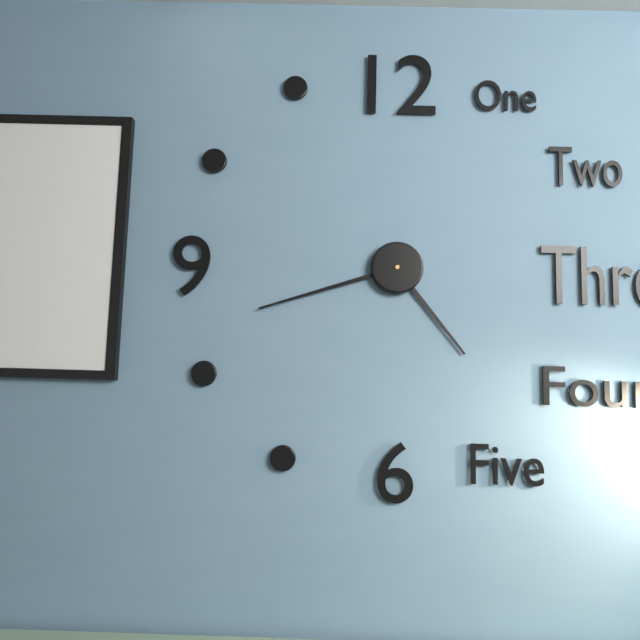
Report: {"hour": 4, "minute": 42}
